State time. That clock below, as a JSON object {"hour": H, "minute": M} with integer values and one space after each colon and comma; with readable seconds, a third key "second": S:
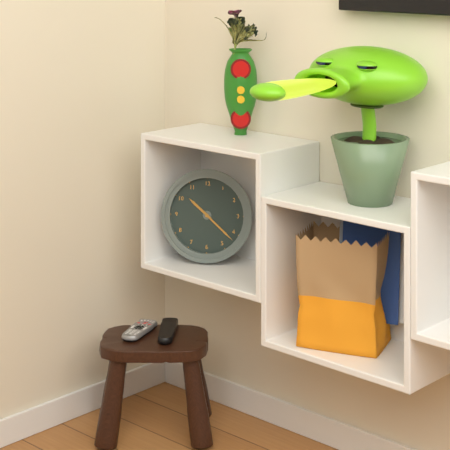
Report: {"hour": 10, "minute": 22}
